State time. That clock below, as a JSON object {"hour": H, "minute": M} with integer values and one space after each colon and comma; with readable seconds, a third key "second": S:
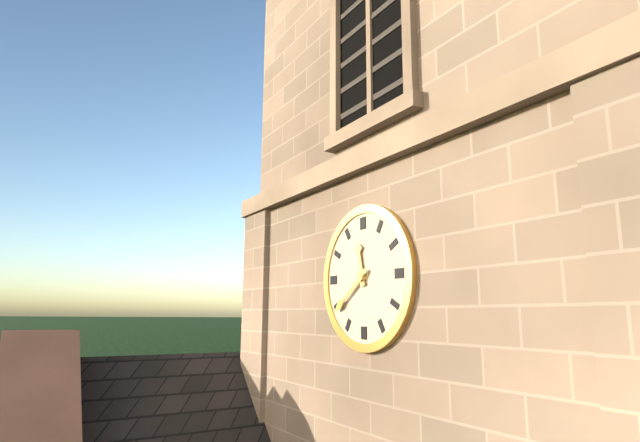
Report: {"hour": 11, "minute": 39}
